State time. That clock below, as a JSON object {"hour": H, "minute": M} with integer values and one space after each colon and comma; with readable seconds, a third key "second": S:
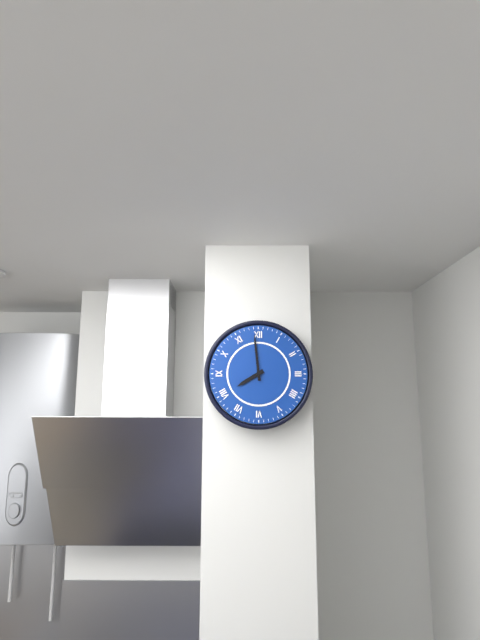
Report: {"hour": 7, "minute": 59}
